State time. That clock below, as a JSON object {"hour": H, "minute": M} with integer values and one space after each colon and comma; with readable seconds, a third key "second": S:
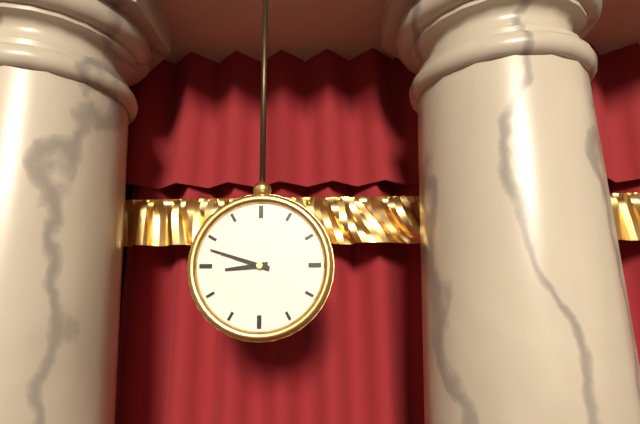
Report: {"hour": 8, "minute": 48}
